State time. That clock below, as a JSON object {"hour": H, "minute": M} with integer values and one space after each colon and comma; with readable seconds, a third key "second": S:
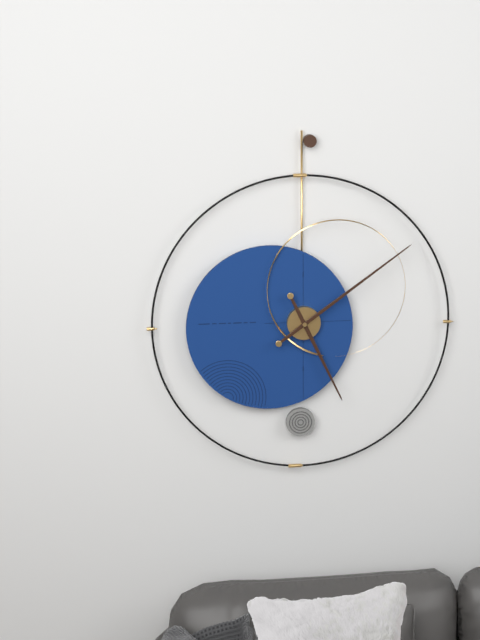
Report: {"hour": 5, "minute": 9}
